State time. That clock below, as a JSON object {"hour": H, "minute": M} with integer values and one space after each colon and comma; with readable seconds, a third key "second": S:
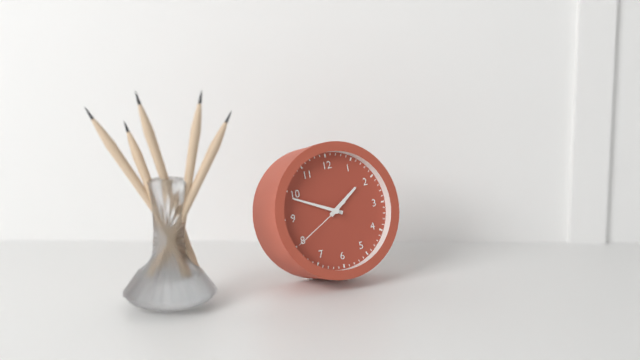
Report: {"hour": 1, "minute": 49, "second": 40}
